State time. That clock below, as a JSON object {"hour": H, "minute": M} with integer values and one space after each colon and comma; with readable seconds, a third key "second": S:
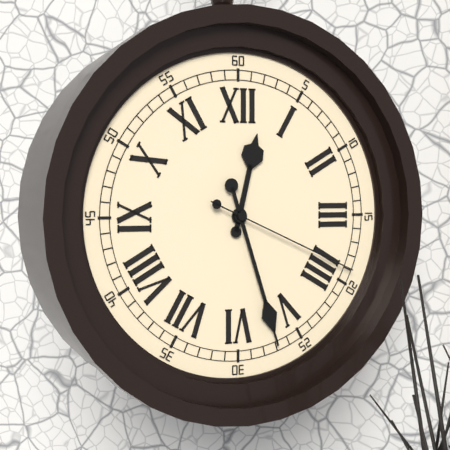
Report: {"hour": 12, "minute": 27, "second": 19}
